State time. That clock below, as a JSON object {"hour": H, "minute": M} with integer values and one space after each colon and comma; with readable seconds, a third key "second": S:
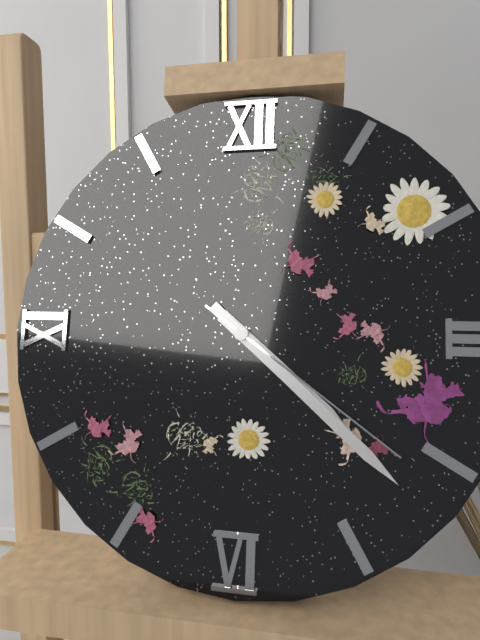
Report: {"hour": 4, "minute": 22, "second": 21}
